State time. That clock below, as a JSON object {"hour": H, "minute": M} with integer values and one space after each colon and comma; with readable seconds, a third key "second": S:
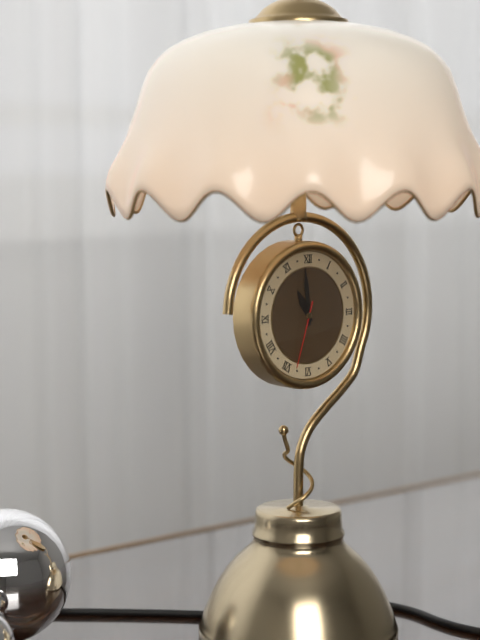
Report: {"hour": 10, "minute": 59, "second": 33}
